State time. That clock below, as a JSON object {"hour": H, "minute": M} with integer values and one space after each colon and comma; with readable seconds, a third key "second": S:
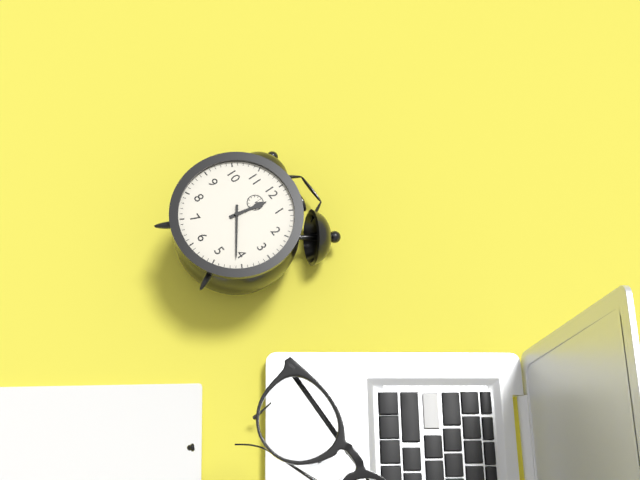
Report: {"hour": 12, "minute": 21}
